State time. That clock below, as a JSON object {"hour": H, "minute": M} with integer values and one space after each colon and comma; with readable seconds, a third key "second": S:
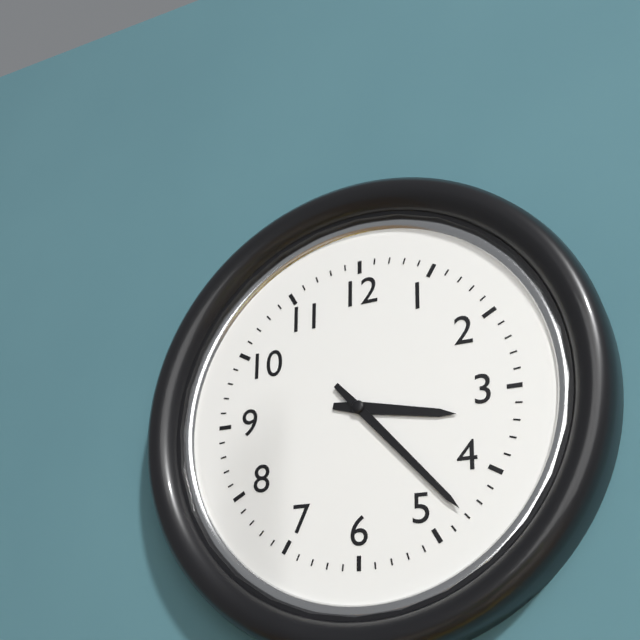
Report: {"hour": 3, "minute": 23}
